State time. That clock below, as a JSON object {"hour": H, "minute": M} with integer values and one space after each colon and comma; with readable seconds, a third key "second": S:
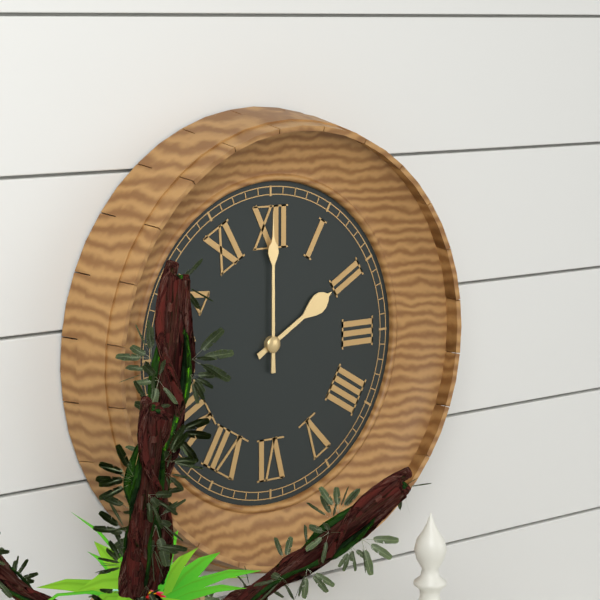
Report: {"hour": 2, "minute": 0}
